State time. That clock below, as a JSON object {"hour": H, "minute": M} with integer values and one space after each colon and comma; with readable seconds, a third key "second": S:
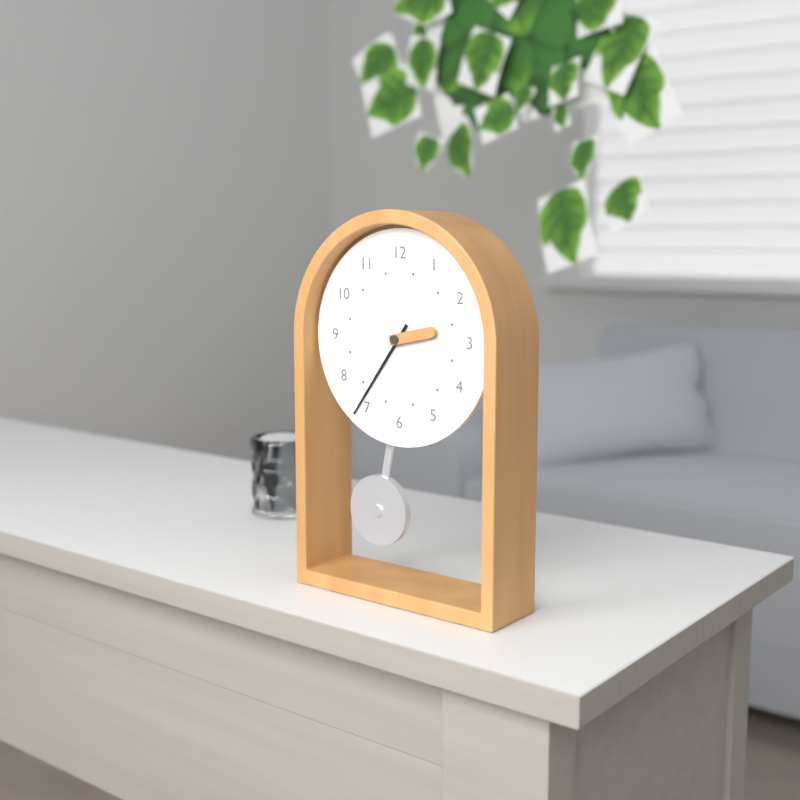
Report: {"hour": 2, "minute": 36}
